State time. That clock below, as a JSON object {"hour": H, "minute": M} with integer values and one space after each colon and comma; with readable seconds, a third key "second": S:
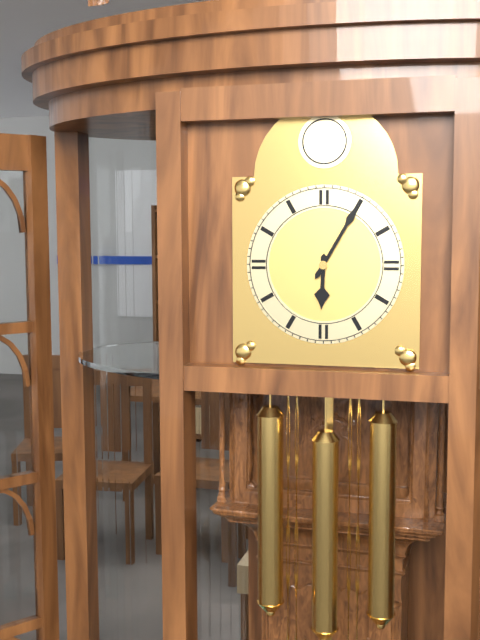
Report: {"hour": 6, "minute": 5}
